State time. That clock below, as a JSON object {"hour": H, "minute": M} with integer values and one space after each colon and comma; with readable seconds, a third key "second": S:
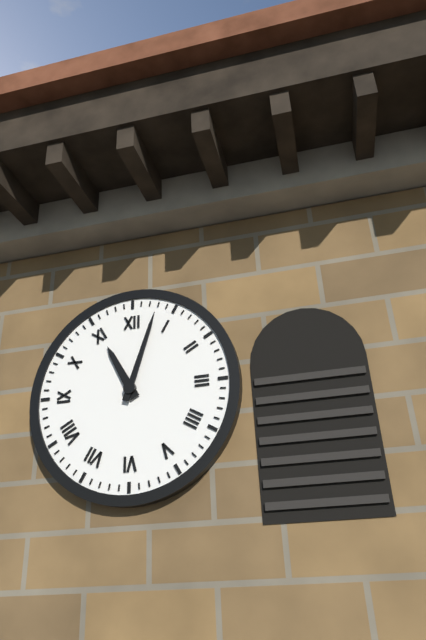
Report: {"hour": 11, "minute": 3}
